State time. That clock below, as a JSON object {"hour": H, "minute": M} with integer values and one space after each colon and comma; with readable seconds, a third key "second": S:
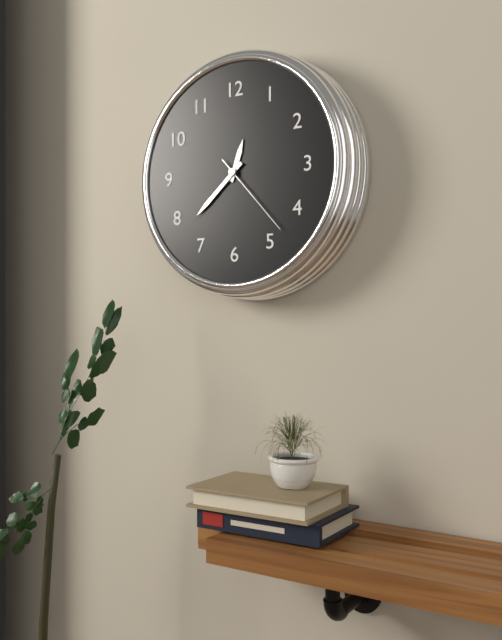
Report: {"hour": 12, "minute": 38, "second": 23}
